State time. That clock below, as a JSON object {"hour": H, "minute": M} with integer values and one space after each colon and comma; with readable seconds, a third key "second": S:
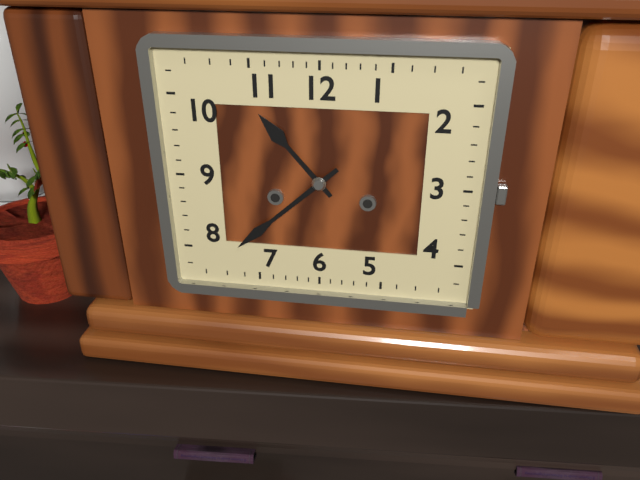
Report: {"hour": 10, "minute": 38}
